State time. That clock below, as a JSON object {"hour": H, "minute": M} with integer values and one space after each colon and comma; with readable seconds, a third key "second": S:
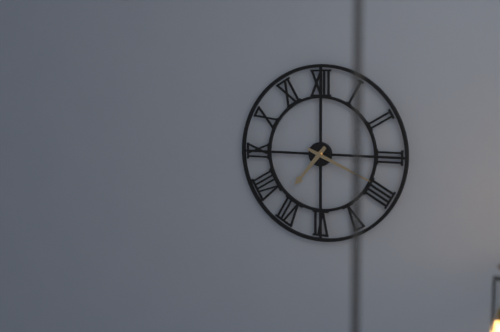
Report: {"hour": 7, "minute": 19}
